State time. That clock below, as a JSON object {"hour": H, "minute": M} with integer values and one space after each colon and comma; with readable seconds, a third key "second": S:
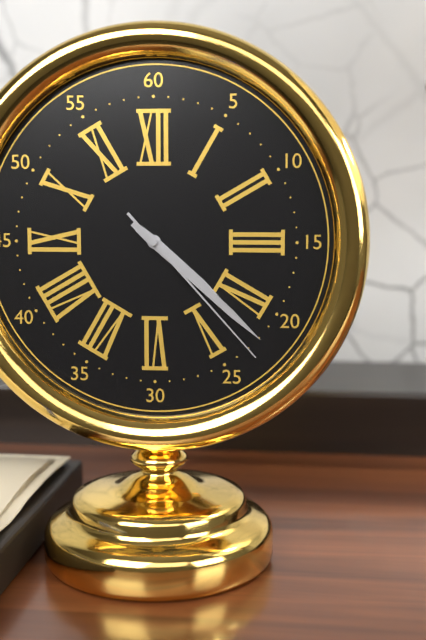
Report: {"hour": 4, "minute": 22, "second": 23}
